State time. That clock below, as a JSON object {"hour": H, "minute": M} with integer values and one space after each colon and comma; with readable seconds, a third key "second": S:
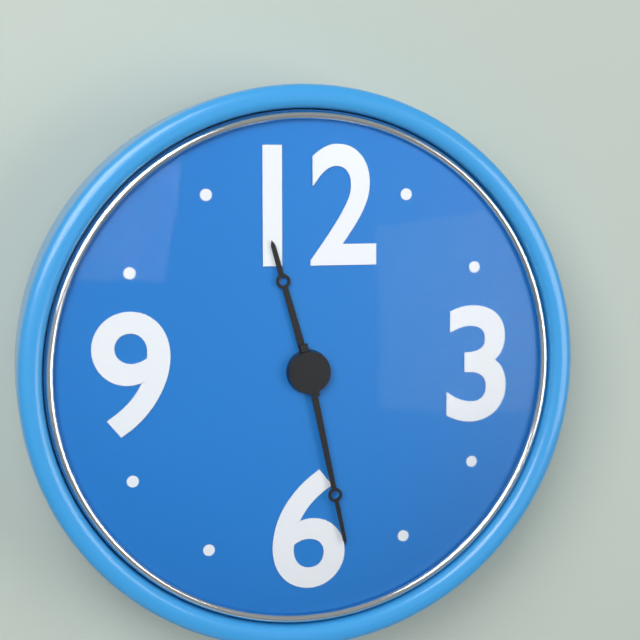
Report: {"hour": 11, "minute": 28}
